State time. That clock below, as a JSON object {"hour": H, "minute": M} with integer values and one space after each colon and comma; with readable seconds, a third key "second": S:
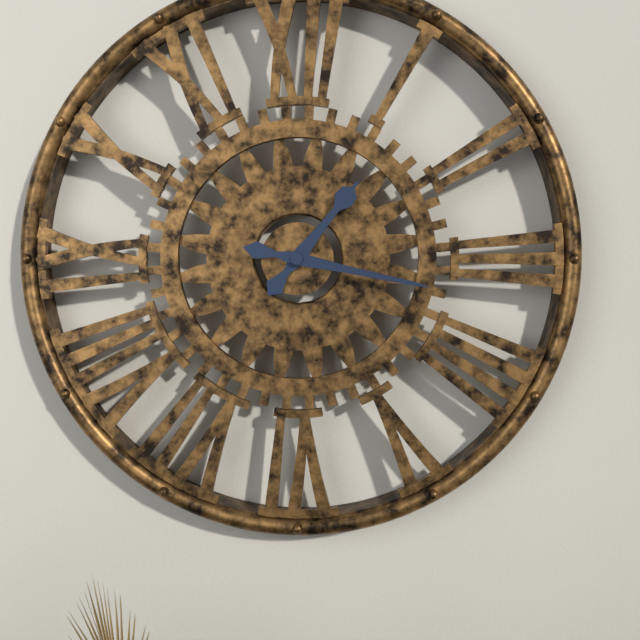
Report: {"hour": 1, "minute": 17}
